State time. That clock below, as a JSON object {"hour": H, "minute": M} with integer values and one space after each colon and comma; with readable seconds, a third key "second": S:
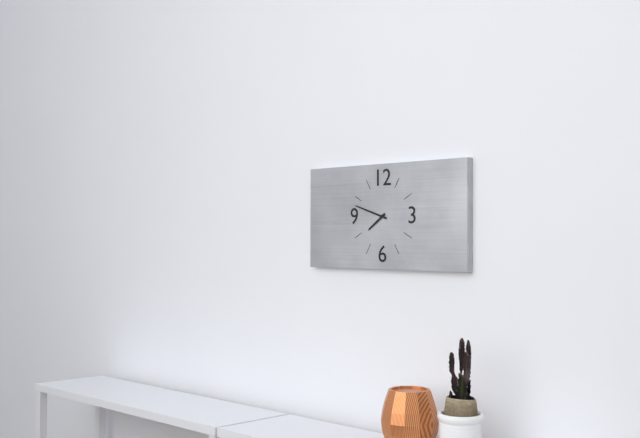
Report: {"hour": 7, "minute": 48}
